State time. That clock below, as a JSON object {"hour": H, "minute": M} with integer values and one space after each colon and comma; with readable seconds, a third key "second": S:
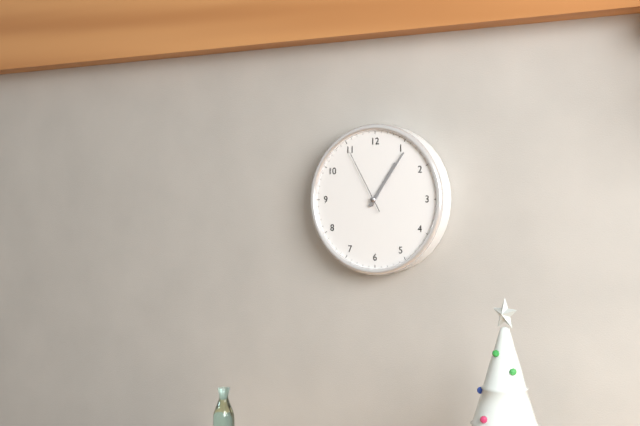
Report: {"hour": 1, "minute": 6, "second": 55}
